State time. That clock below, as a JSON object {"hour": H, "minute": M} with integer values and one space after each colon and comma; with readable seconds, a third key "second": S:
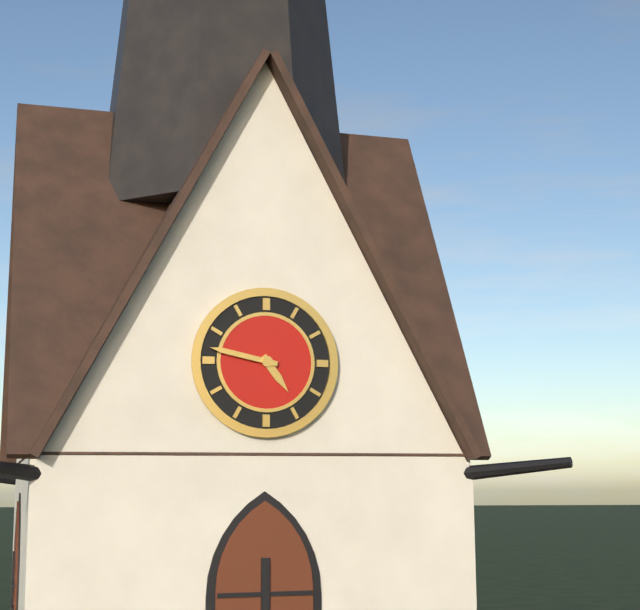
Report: {"hour": 4, "minute": 47}
